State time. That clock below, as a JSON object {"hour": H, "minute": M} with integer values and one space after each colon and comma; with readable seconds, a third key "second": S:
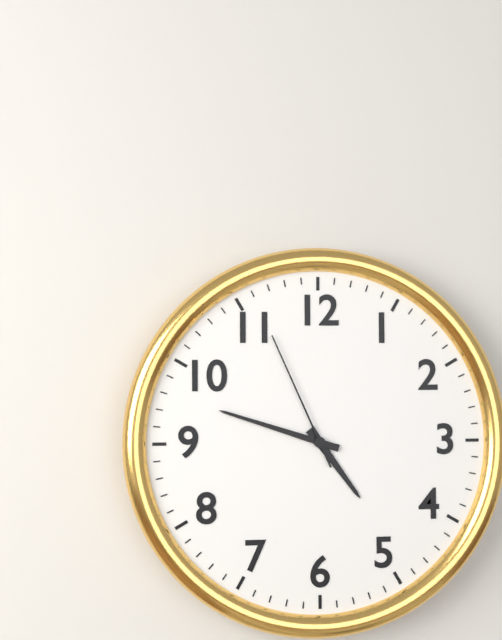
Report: {"hour": 4, "minute": 48, "second": 56}
